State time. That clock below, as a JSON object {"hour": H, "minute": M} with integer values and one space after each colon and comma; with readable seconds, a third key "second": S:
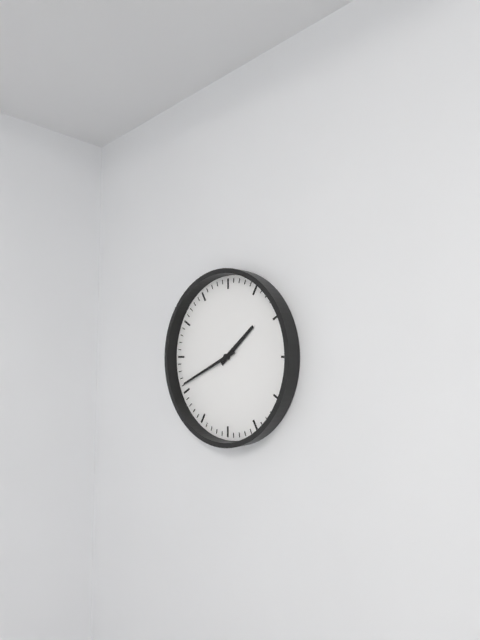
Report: {"hour": 1, "minute": 41}
